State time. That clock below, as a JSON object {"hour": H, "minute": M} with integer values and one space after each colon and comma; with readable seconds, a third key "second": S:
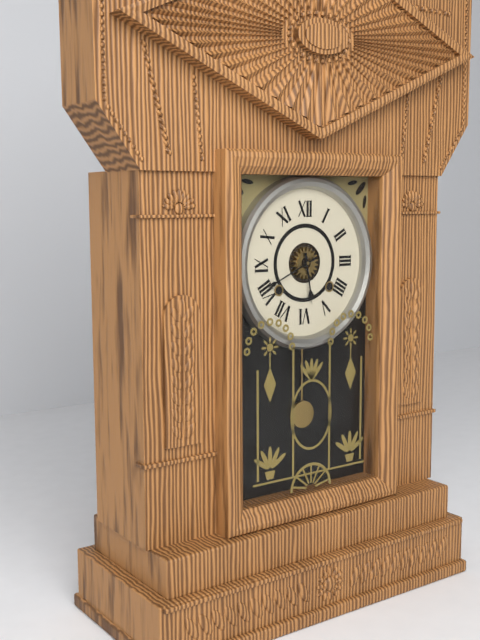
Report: {"hour": 5, "minute": 41}
